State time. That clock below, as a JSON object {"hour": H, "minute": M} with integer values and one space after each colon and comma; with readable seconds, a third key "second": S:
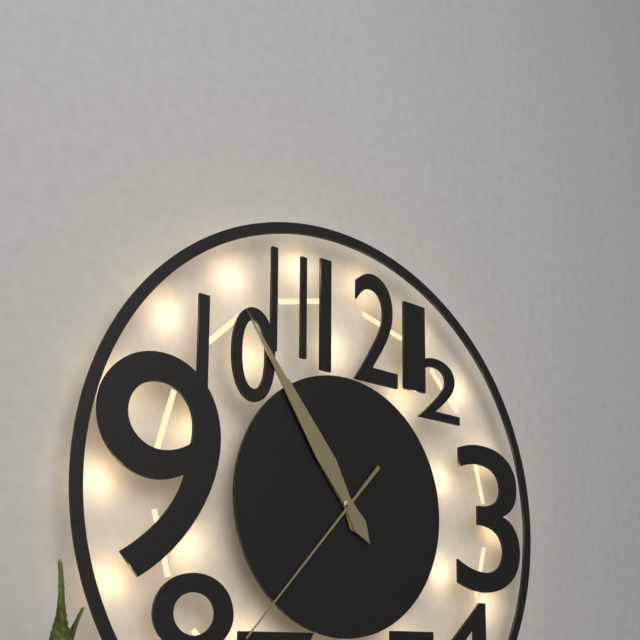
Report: {"hour": 10, "minute": 54, "second": 37}
